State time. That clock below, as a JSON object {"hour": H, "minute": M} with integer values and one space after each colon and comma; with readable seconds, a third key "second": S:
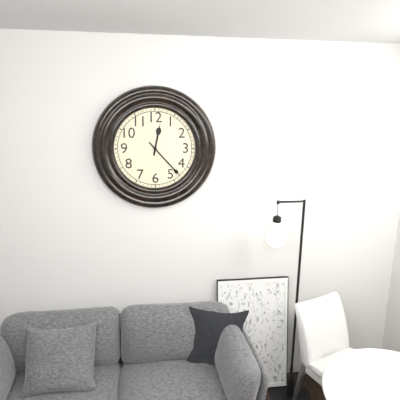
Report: {"hour": 12, "minute": 23}
